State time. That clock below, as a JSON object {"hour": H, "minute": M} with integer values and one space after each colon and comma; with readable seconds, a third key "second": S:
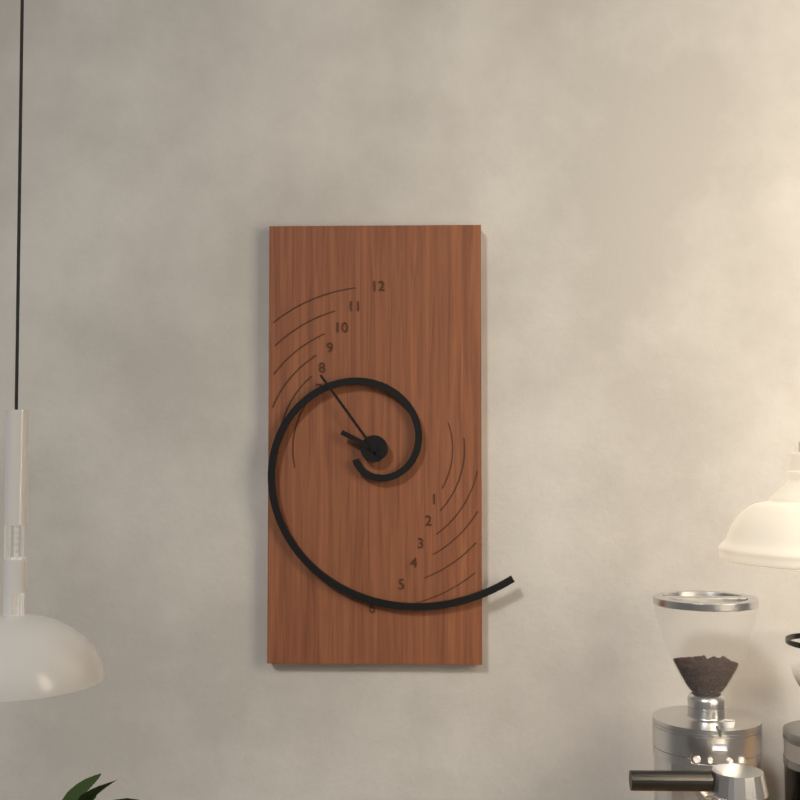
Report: {"hour": 9, "minute": 54}
